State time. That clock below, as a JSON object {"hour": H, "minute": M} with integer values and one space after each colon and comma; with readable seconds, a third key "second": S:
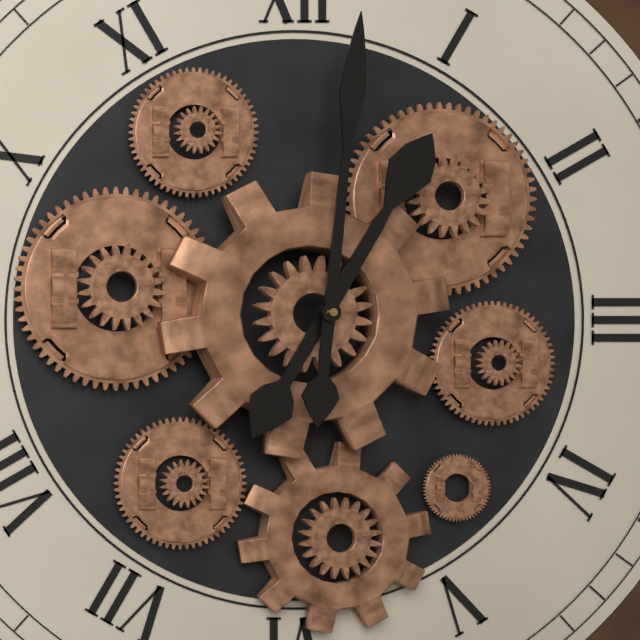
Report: {"hour": 1, "minute": 1}
